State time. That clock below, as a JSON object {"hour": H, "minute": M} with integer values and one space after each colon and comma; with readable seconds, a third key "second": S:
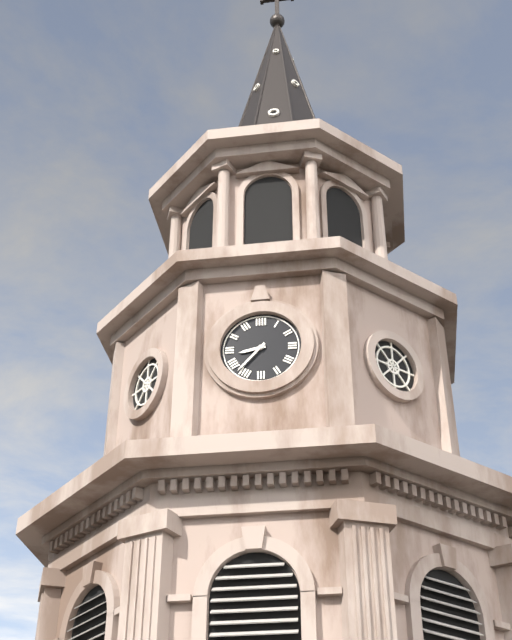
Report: {"hour": 8, "minute": 37}
